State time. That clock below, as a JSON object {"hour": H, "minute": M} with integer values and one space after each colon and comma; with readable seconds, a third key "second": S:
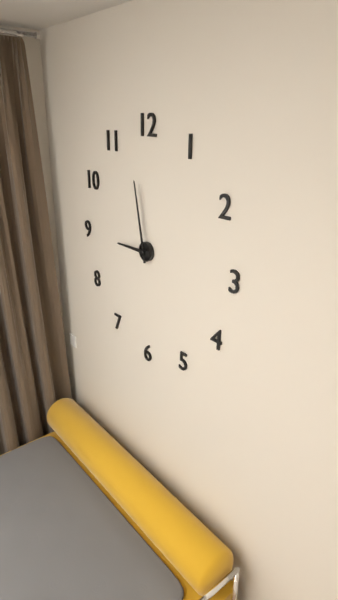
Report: {"hour": 8, "minute": 58}
